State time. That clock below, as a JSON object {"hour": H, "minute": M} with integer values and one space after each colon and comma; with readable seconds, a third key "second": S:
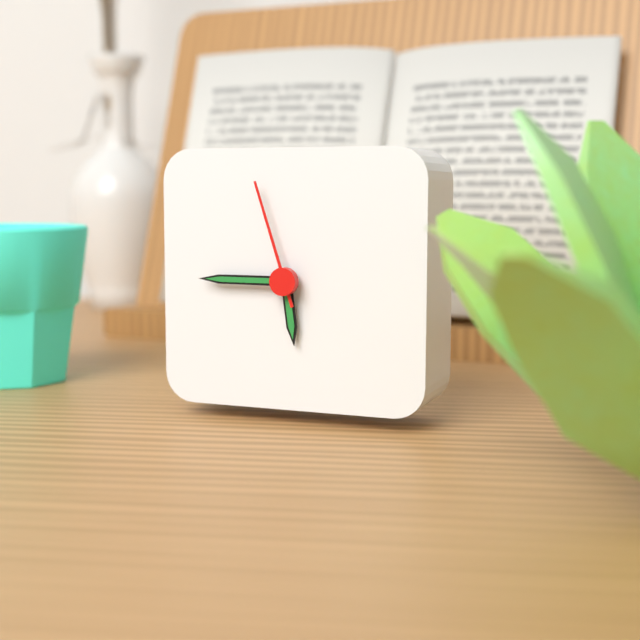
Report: {"hour": 5, "minute": 45, "second": 57}
